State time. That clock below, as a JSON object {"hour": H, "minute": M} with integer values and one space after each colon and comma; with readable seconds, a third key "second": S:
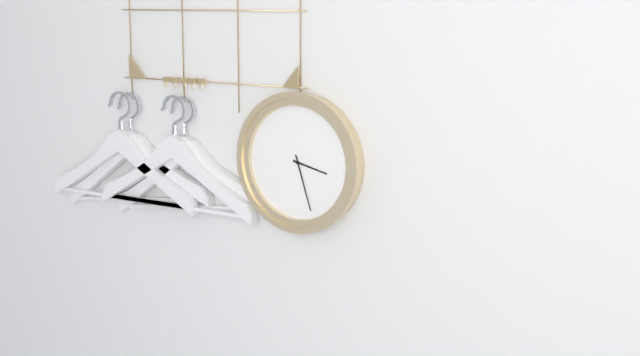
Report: {"hour": 3, "minute": 27}
